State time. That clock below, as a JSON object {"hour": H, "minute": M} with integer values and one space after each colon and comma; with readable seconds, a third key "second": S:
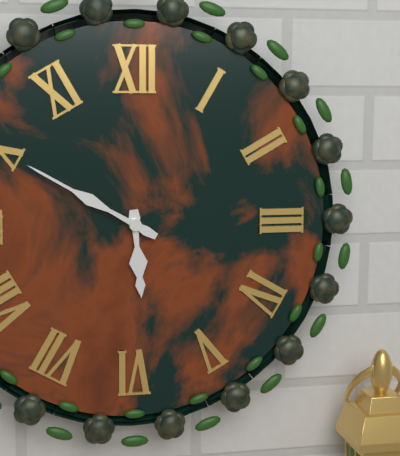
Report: {"hour": 5, "minute": 50}
